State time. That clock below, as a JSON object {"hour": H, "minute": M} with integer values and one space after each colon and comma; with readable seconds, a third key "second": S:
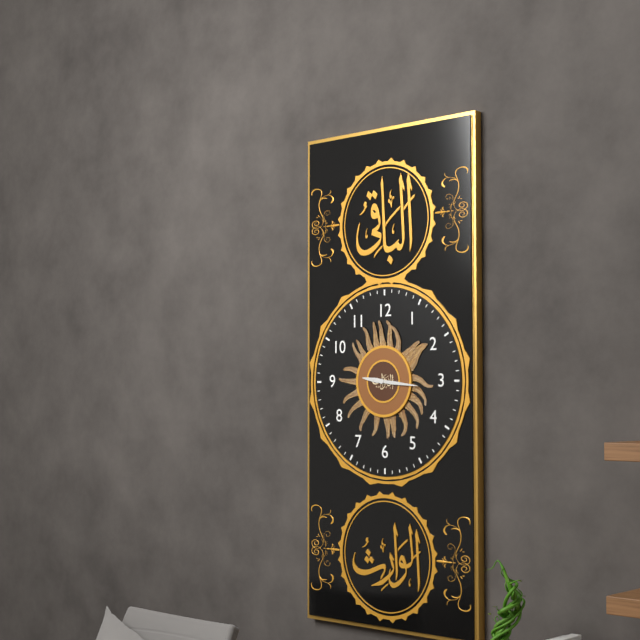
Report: {"hour": 9, "minute": 16}
